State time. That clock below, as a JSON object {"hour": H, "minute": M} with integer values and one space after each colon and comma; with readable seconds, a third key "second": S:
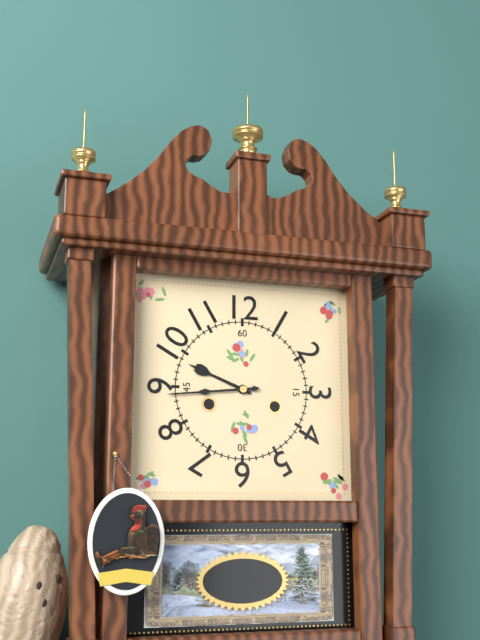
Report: {"hour": 9, "minute": 44}
